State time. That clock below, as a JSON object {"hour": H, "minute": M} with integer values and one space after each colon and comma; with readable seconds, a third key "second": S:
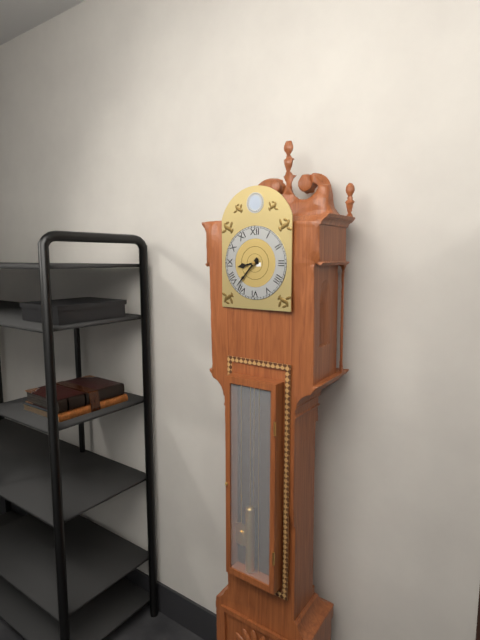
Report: {"hour": 8, "minute": 37}
